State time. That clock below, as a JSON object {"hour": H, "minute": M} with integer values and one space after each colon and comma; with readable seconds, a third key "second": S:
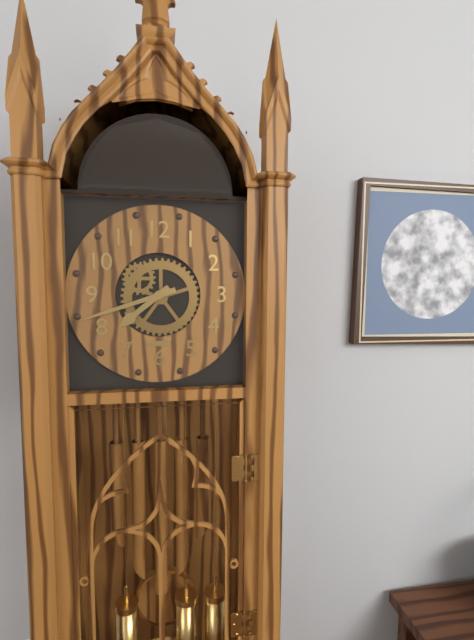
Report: {"hour": 7, "minute": 42}
